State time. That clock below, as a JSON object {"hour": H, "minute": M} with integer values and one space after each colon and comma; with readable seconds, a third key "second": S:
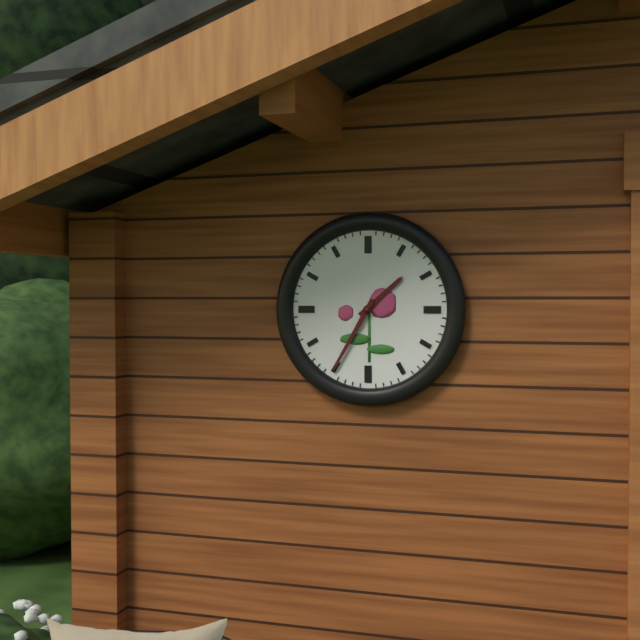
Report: {"hour": 1, "minute": 35}
